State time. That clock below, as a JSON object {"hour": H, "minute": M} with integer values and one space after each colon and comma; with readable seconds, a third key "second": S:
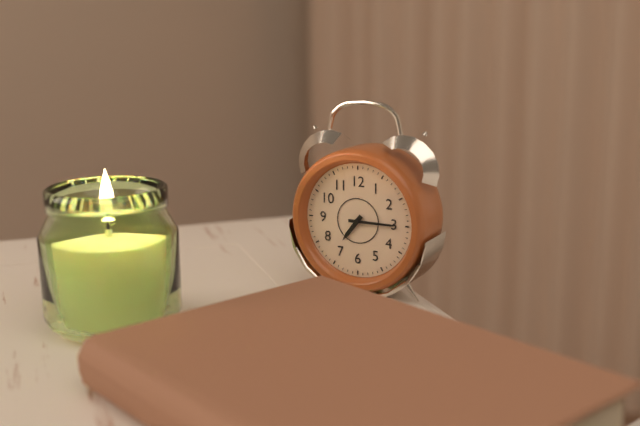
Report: {"hour": 7, "minute": 15}
